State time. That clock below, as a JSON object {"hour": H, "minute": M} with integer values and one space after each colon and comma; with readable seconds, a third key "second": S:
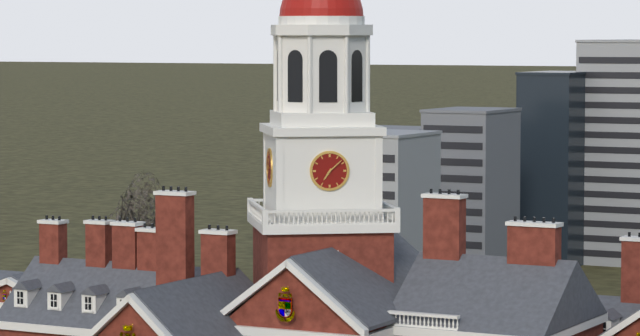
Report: {"hour": 7, "minute": 8}
